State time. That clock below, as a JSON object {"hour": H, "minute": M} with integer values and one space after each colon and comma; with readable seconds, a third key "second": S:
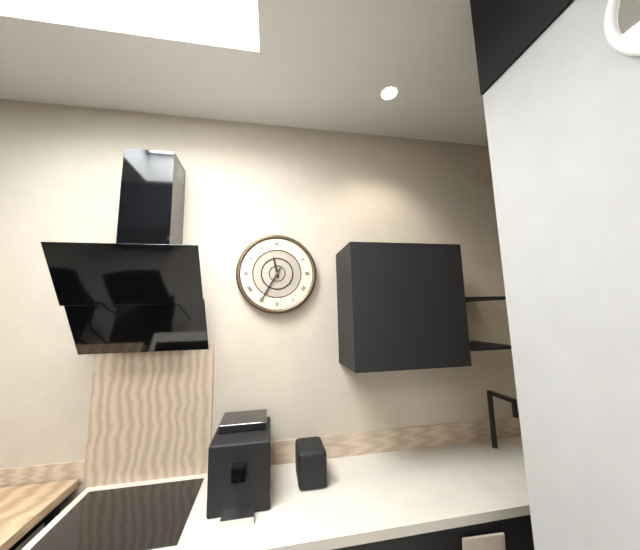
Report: {"hour": 11, "minute": 35}
